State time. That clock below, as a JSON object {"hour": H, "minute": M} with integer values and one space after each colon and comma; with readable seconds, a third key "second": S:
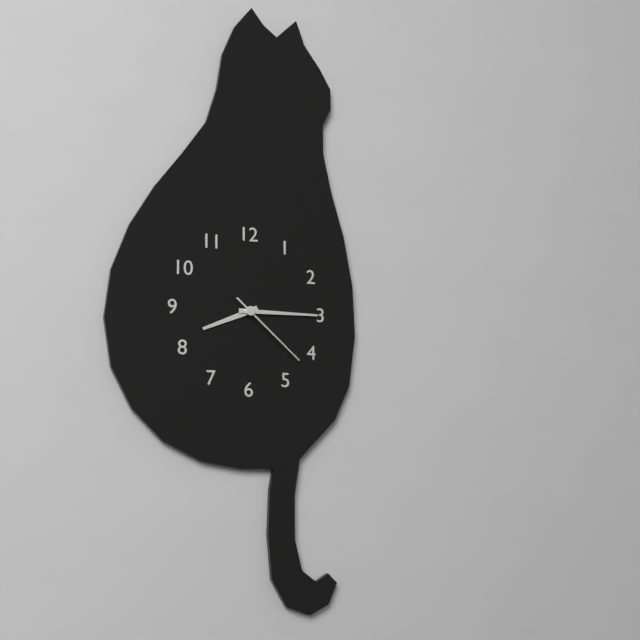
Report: {"hour": 8, "minute": 15, "second": 22}
